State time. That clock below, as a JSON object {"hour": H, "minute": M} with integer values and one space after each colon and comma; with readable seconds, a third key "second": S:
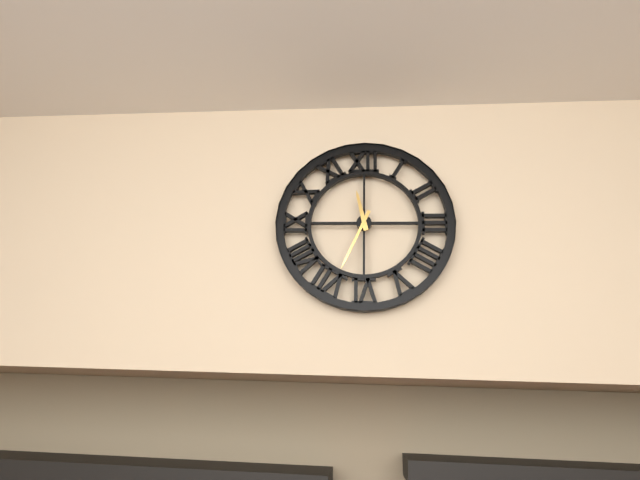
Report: {"hour": 11, "minute": 34}
